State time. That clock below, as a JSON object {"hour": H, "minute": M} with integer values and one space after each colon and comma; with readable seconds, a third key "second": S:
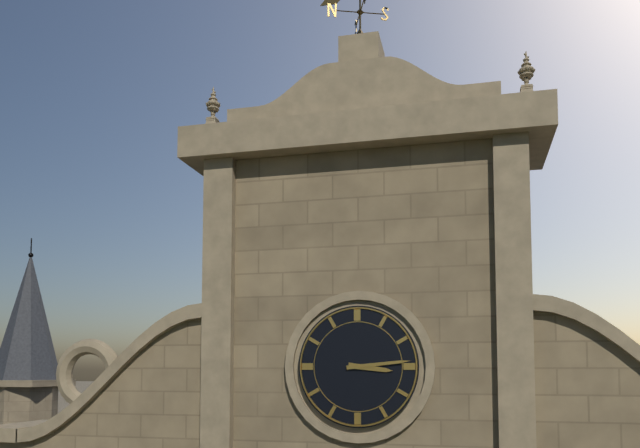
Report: {"hour": 3, "minute": 14}
